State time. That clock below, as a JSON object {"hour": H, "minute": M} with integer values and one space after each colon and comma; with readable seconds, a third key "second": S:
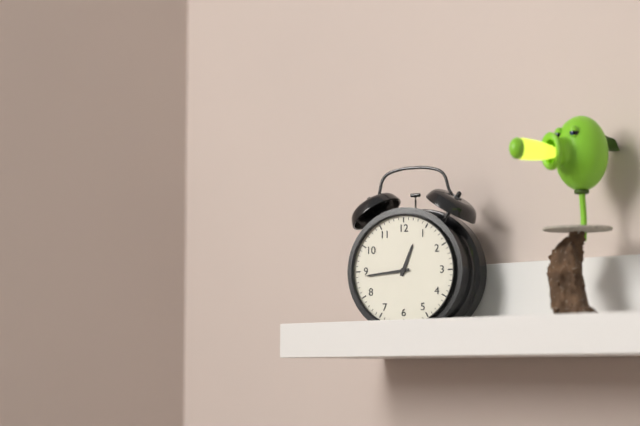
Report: {"hour": 12, "minute": 44}
